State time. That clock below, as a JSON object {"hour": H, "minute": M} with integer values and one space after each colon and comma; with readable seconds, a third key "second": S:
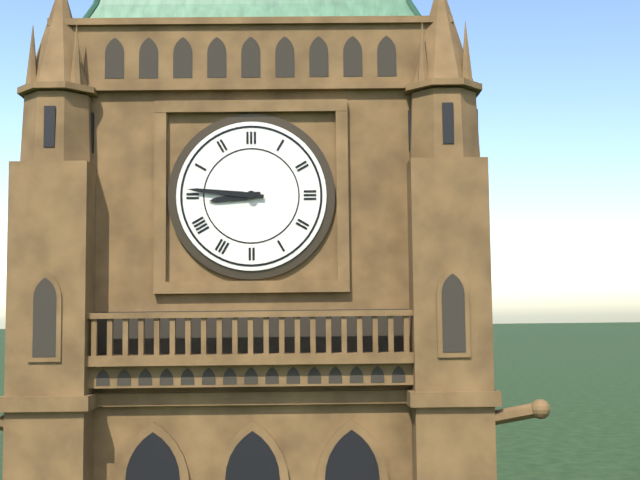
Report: {"hour": 8, "minute": 46}
